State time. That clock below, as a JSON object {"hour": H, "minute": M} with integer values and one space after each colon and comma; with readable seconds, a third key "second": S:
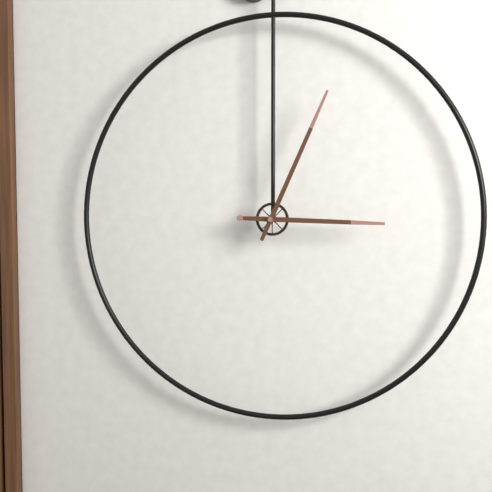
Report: {"hour": 3, "minute": 4}
